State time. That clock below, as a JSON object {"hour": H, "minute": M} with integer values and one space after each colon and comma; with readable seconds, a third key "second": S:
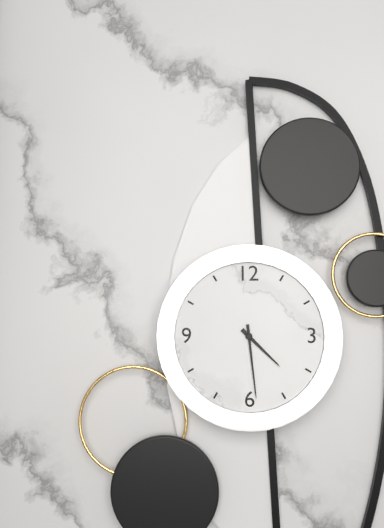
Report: {"hour": 4, "minute": 29}
